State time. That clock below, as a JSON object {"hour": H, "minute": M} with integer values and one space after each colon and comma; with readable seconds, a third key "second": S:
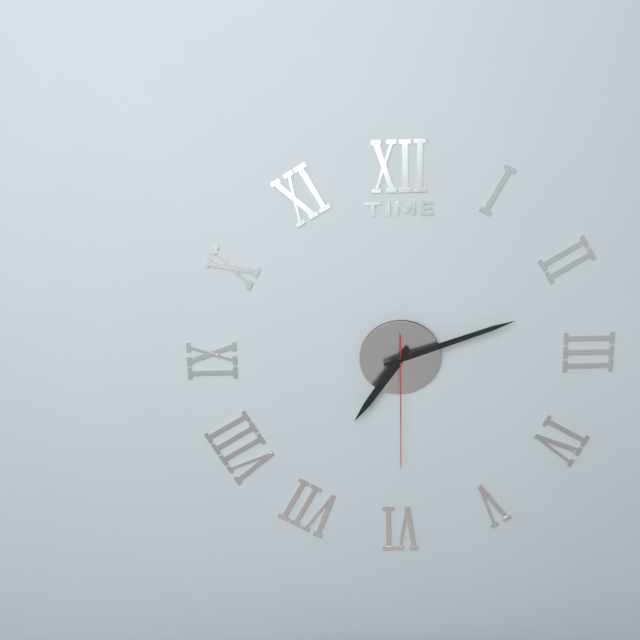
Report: {"hour": 7, "minute": 12, "second": 30}
